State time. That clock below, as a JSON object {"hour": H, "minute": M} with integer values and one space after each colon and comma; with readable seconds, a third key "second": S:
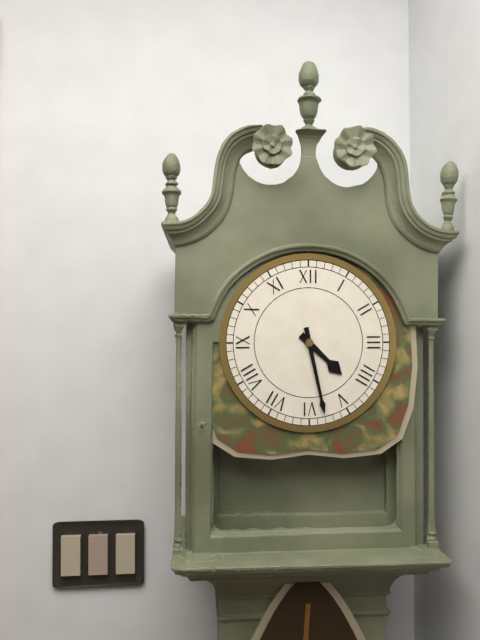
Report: {"hour": 4, "minute": 28}
